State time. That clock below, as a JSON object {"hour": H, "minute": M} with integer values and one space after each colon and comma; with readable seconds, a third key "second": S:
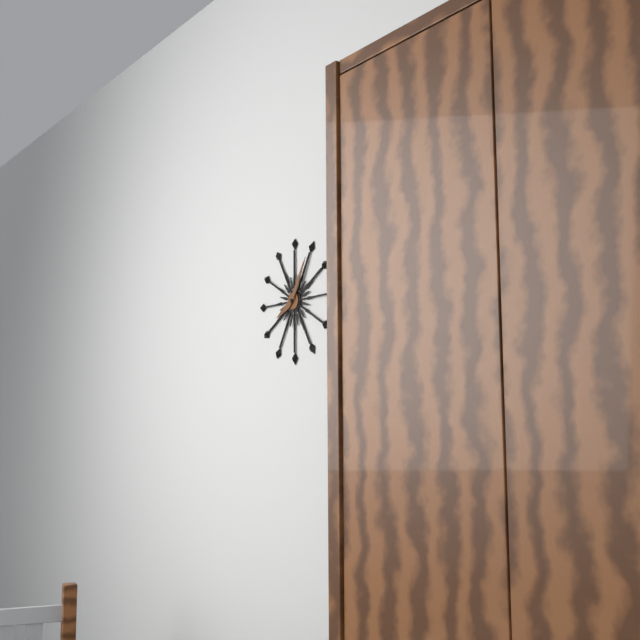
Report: {"hour": 8, "minute": 5}
